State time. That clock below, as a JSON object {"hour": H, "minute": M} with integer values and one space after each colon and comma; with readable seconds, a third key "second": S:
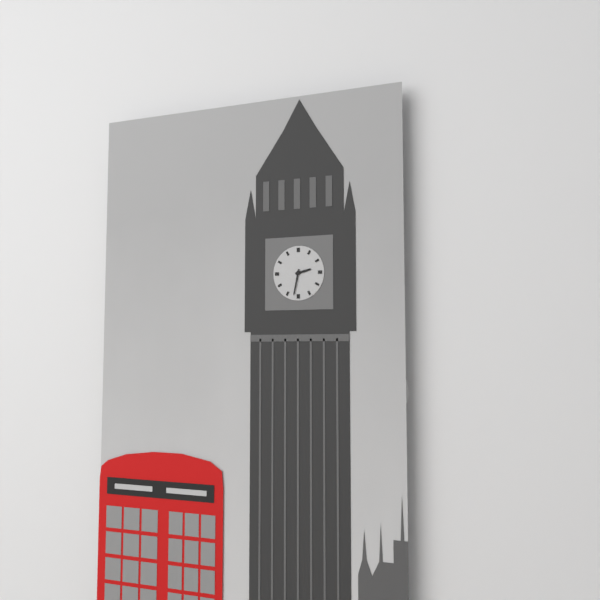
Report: {"hour": 2, "minute": 32}
